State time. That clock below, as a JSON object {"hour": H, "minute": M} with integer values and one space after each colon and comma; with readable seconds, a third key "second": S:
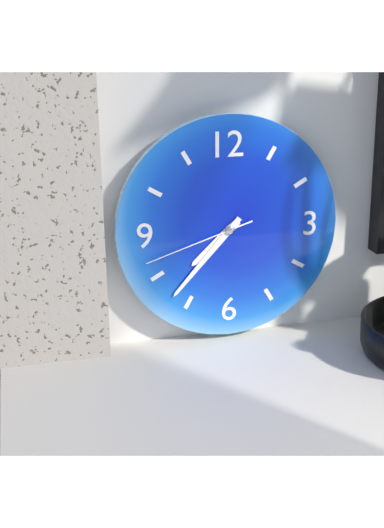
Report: {"hour": 7, "minute": 37, "second": 42}
